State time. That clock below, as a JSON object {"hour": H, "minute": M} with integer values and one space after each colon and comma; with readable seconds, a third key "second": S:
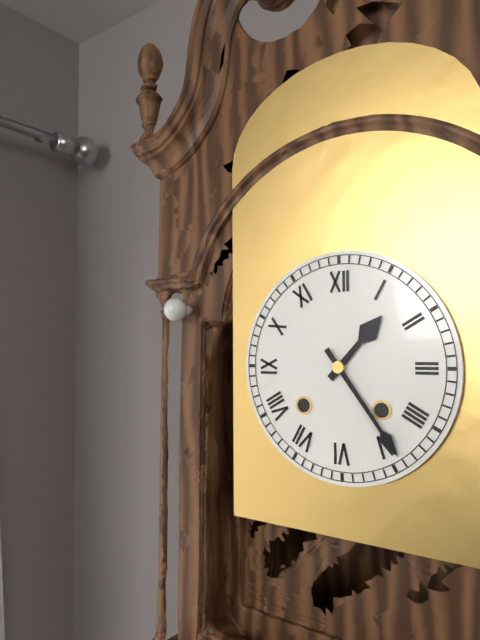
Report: {"hour": 1, "minute": 24}
